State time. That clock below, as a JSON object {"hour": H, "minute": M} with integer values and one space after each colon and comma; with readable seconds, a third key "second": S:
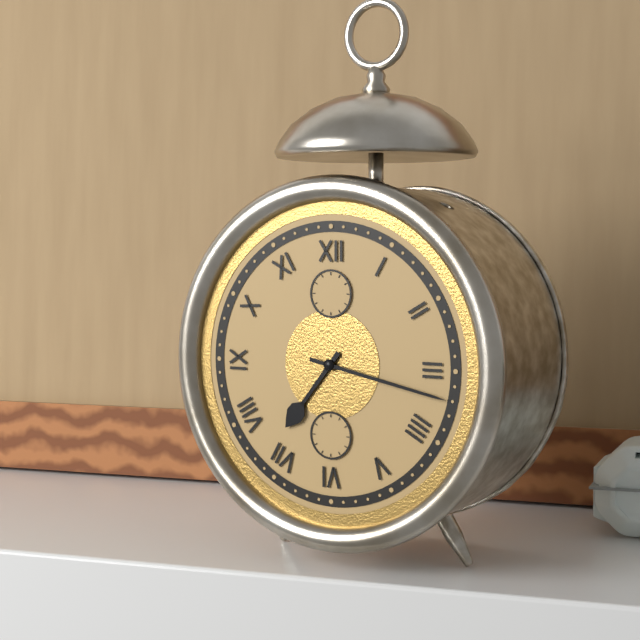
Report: {"hour": 7, "minute": 17}
